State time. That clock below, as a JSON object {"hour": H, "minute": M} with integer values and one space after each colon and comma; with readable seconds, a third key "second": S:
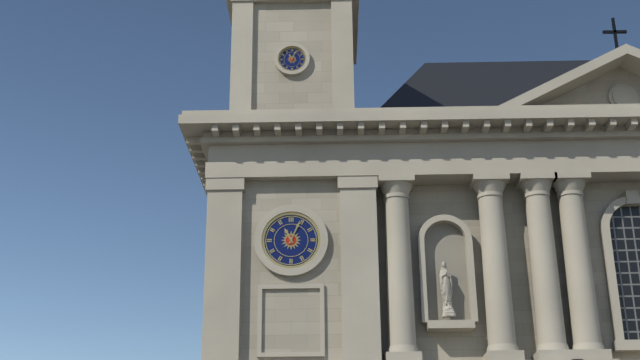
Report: {"hour": 11, "minute": 4}
